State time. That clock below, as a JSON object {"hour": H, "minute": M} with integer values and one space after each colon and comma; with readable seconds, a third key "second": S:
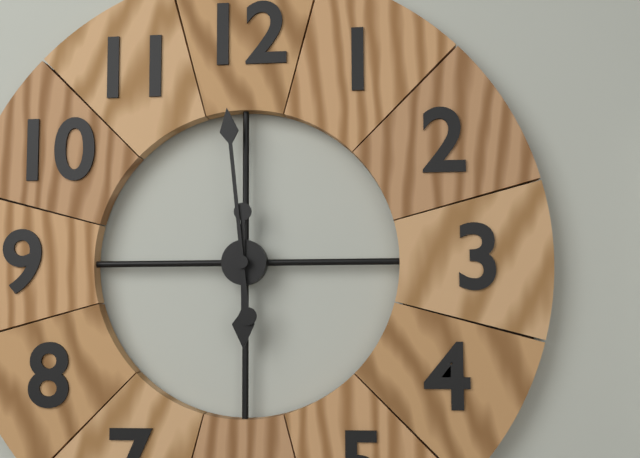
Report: {"hour": 5, "minute": 59}
